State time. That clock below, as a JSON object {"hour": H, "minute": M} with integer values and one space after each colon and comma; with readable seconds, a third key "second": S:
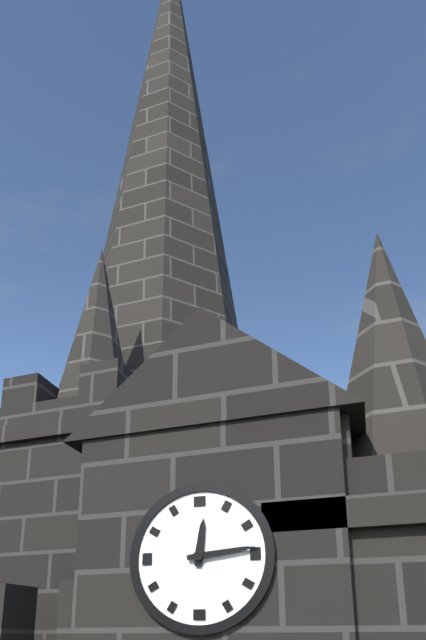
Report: {"hour": 12, "minute": 14}
